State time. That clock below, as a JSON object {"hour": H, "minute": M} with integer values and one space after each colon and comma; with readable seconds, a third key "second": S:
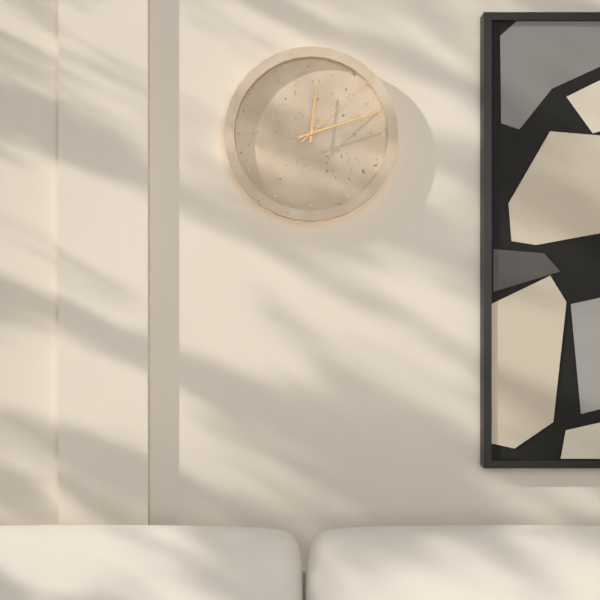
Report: {"hour": 12, "minute": 12, "second": 8}
